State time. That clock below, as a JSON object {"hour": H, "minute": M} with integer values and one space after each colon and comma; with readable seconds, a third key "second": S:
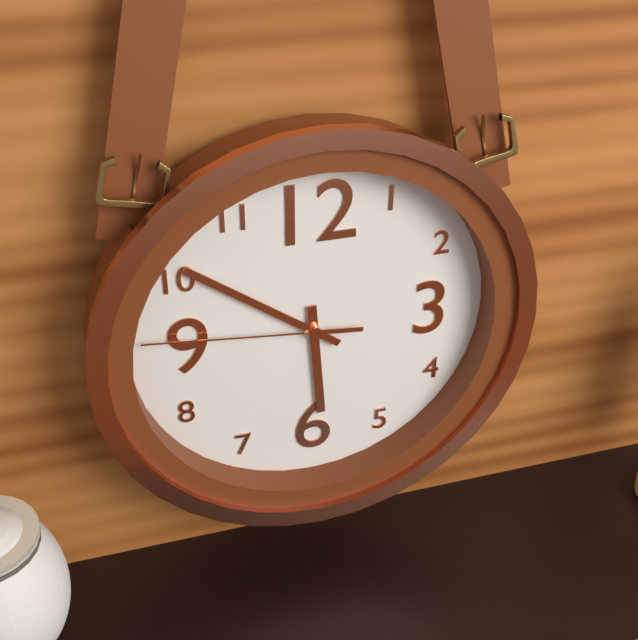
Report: {"hour": 5, "minute": 51, "second": 46}
